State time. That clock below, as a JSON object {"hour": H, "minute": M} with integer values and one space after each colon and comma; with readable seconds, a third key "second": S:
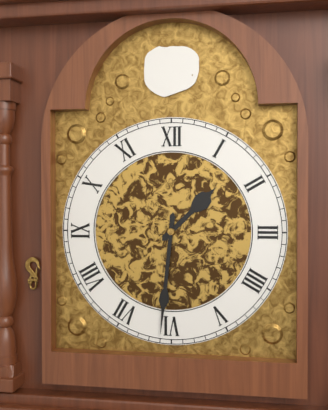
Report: {"hour": 1, "minute": 31}
